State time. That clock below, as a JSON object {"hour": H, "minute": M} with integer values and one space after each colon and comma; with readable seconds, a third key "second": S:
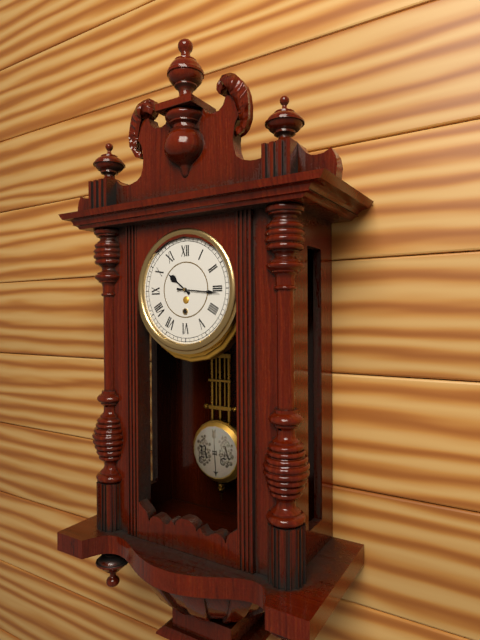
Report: {"hour": 10, "minute": 16}
